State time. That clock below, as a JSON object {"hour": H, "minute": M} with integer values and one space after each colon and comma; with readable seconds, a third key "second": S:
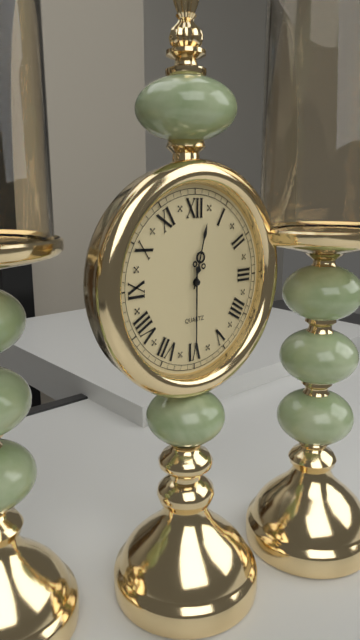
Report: {"hour": 12, "minute": 30}
